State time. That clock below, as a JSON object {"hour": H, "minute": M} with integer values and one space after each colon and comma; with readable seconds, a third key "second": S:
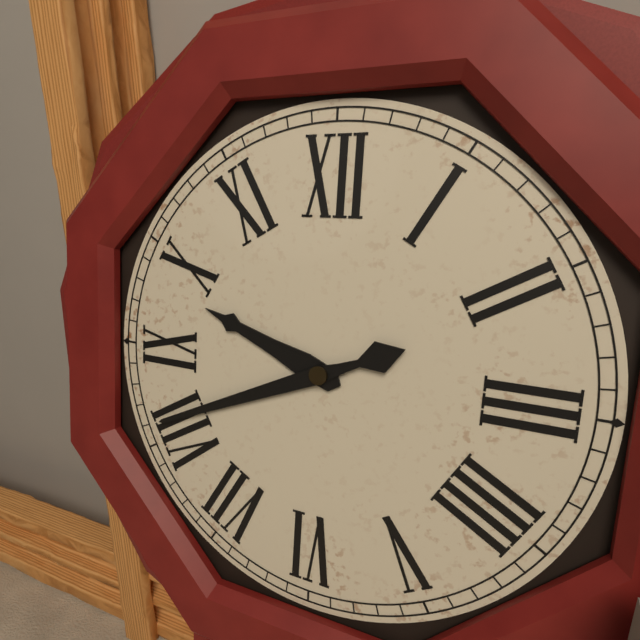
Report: {"hour": 9, "minute": 41}
